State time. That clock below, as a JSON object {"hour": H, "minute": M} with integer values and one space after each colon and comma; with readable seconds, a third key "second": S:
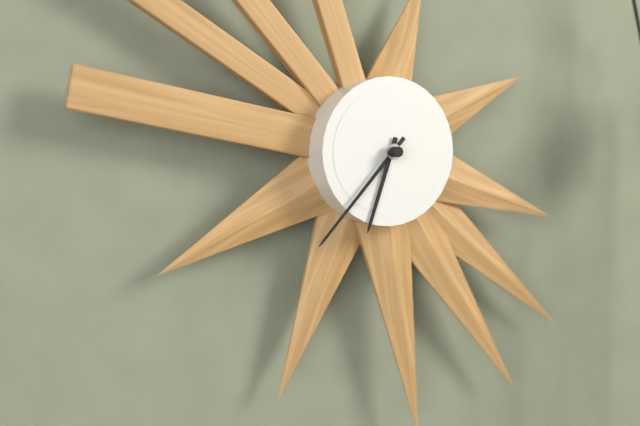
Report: {"hour": 6, "minute": 37}
